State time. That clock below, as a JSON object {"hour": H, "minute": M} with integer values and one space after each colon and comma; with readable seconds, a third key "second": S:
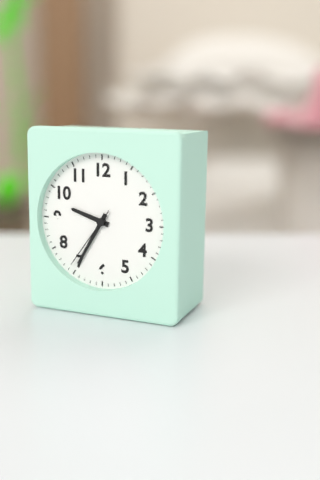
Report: {"hour": 9, "minute": 35, "second": 36}
